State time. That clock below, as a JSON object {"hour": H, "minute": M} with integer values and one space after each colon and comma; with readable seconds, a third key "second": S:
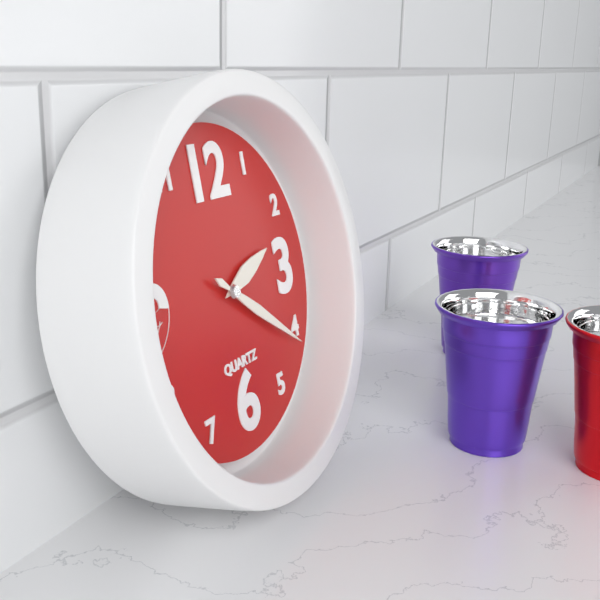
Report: {"hour": 2, "minute": 21}
